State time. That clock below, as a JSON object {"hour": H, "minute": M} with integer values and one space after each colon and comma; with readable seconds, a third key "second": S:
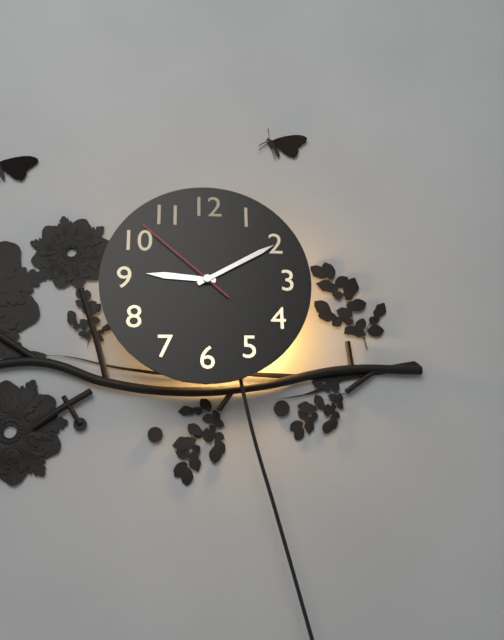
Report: {"hour": 9, "minute": 10, "second": 52}
